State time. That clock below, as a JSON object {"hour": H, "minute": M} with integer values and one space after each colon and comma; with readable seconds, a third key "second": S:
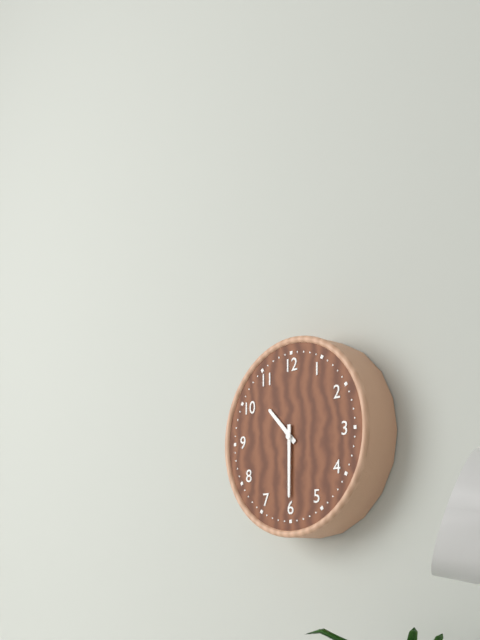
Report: {"hour": 10, "minute": 30}
